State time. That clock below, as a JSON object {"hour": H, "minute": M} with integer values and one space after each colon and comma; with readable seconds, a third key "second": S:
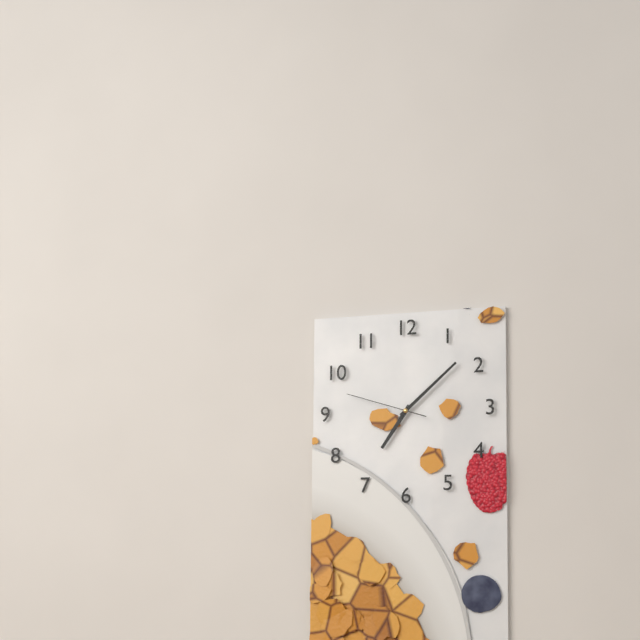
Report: {"hour": 7, "minute": 8, "second": 48}
